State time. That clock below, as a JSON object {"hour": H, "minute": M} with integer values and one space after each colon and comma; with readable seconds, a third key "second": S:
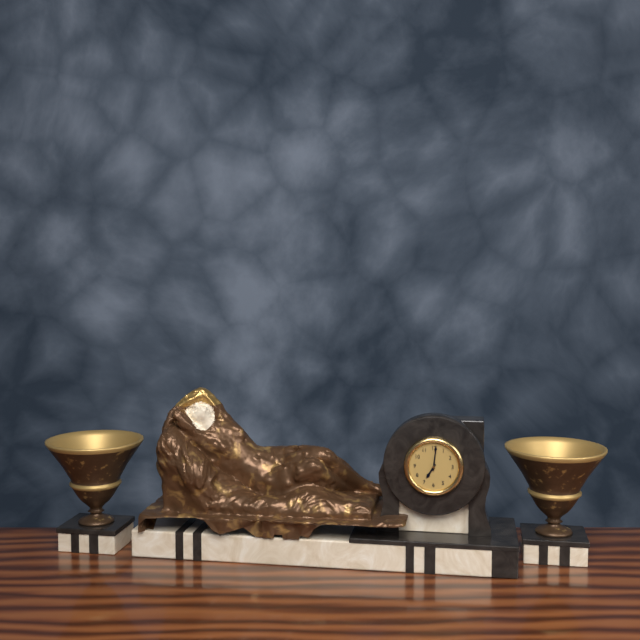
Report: {"hour": 7, "minute": 1}
